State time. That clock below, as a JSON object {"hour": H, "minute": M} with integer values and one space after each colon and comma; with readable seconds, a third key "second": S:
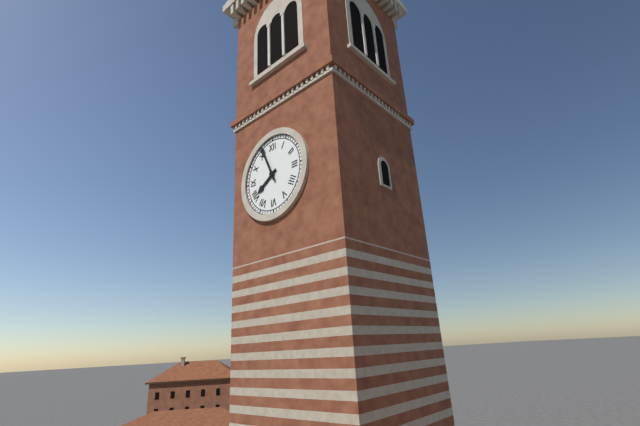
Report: {"hour": 7, "minute": 56}
